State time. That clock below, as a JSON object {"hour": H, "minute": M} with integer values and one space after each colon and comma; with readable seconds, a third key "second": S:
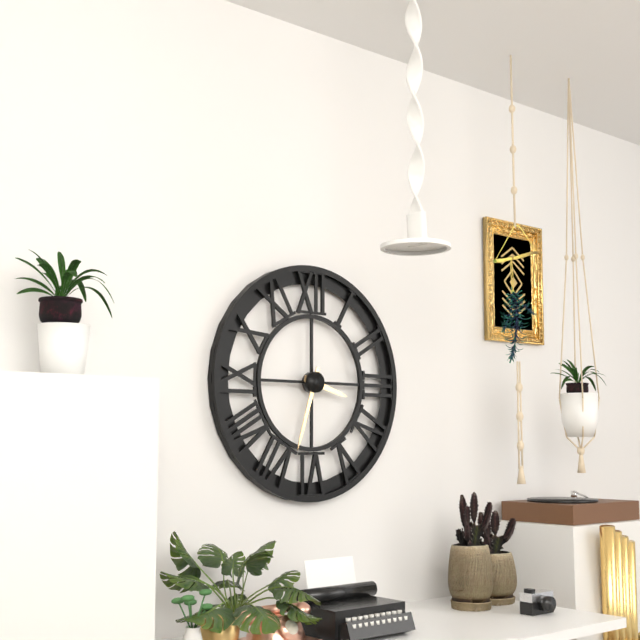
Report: {"hour": 3, "minute": 33}
